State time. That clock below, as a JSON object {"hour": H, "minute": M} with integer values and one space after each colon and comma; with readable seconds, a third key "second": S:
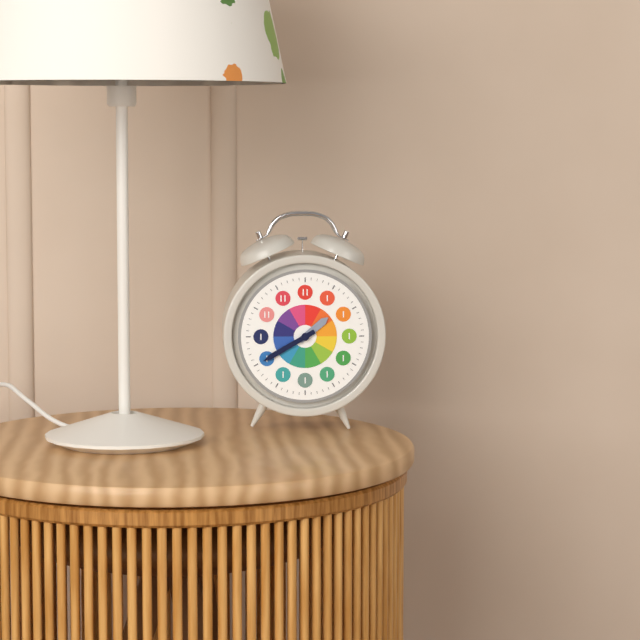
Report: {"hour": 1, "minute": 40}
